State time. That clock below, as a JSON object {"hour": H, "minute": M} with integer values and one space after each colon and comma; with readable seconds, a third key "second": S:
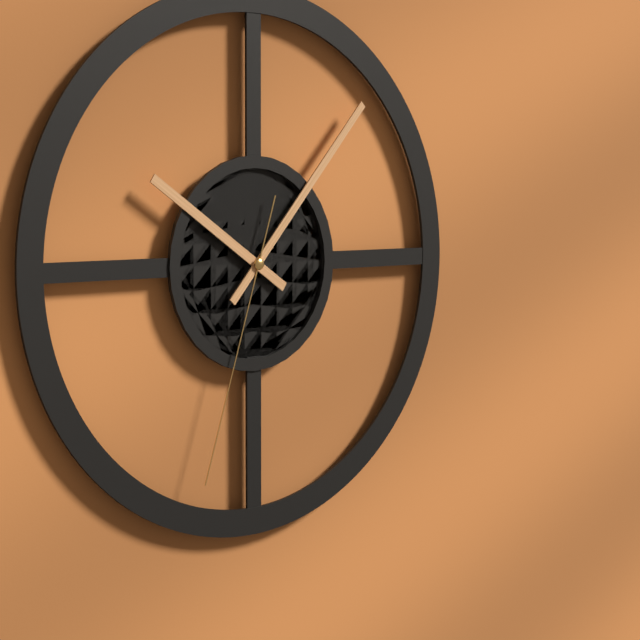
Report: {"hour": 10, "minute": 7, "second": 33}
